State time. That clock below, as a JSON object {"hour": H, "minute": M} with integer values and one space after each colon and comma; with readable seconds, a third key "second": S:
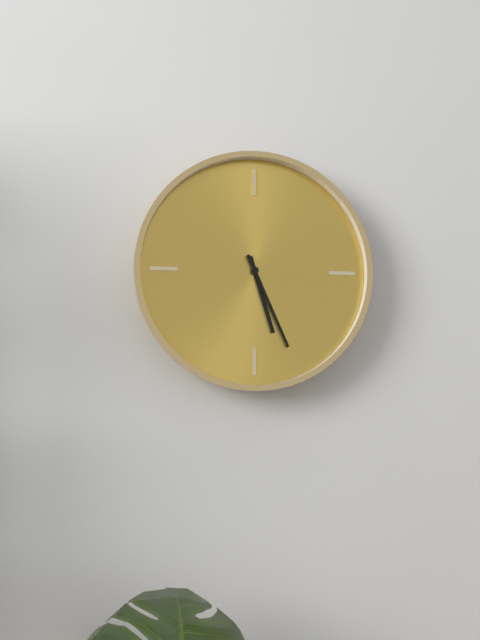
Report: {"hour": 5, "minute": 26}
